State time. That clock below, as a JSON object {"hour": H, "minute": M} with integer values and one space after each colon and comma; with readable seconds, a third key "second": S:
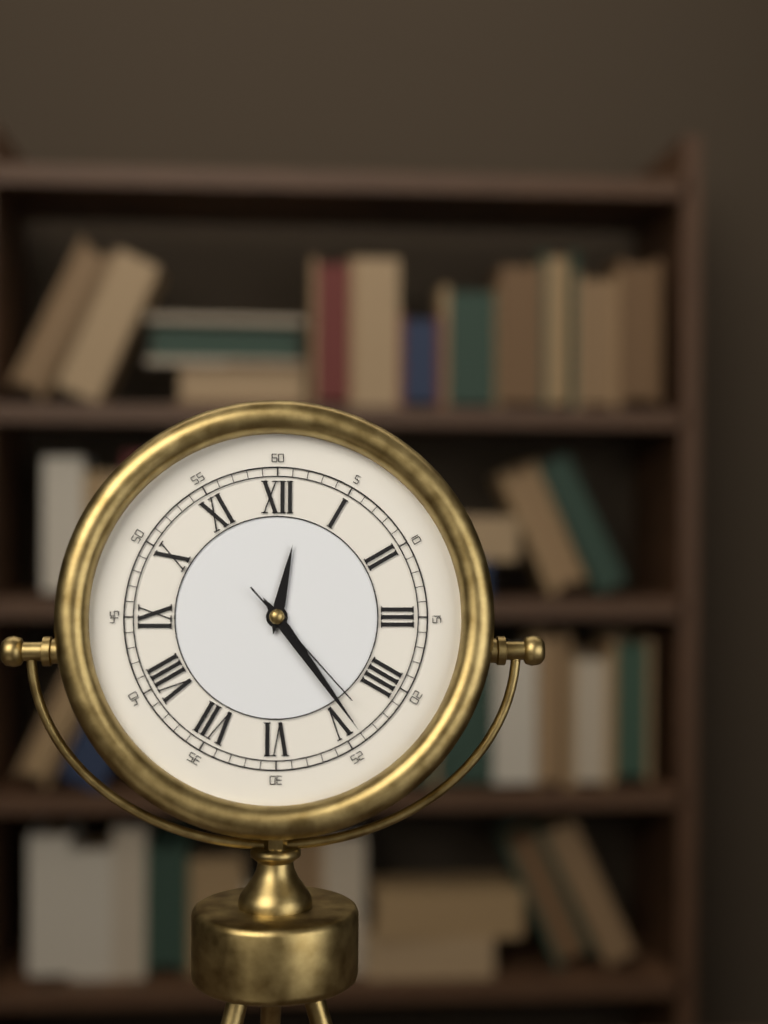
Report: {"hour": 12, "minute": 24, "second": 23}
